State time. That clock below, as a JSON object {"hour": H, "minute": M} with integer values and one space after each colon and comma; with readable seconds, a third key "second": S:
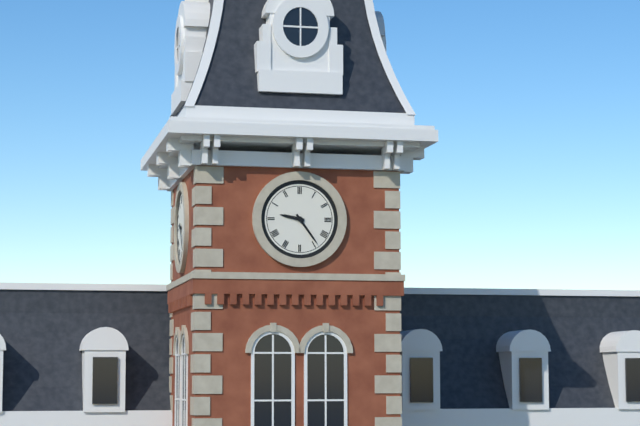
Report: {"hour": 9, "minute": 24}
